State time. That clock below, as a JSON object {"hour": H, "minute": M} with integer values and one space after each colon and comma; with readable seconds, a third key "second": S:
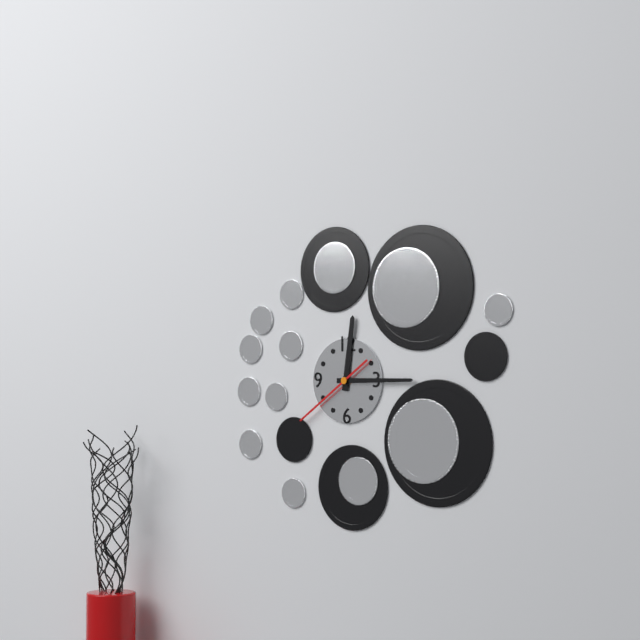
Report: {"hour": 12, "minute": 15, "second": 39}
